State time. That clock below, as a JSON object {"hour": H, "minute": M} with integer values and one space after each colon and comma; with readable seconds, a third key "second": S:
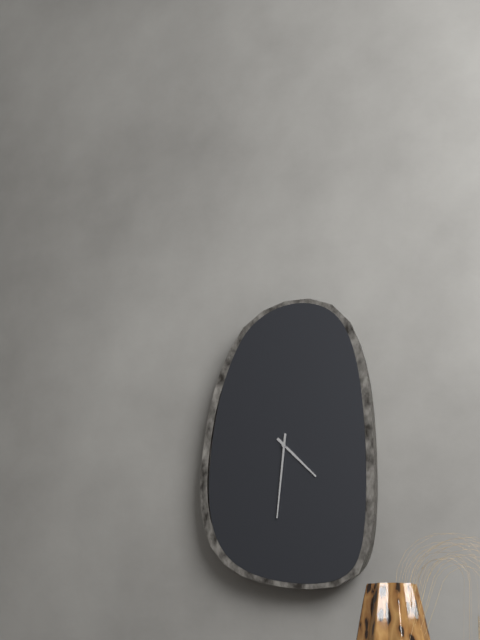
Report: {"hour": 4, "minute": 31}
